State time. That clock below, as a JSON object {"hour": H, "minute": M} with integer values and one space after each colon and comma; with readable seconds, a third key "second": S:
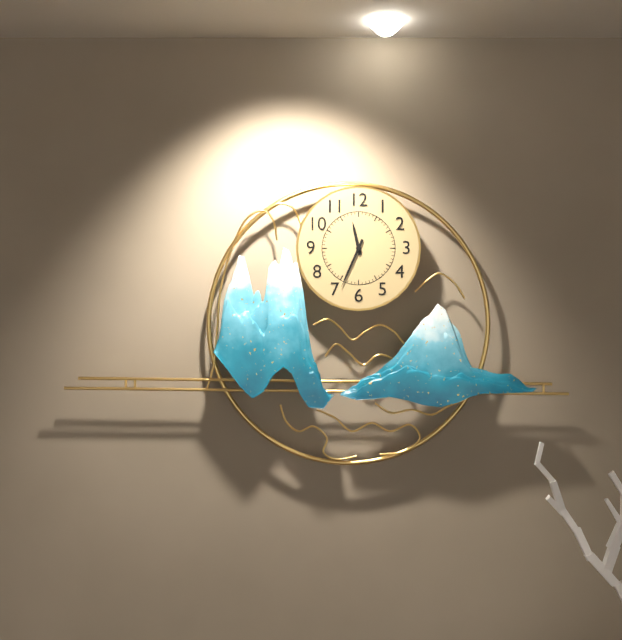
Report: {"hour": 11, "minute": 34}
